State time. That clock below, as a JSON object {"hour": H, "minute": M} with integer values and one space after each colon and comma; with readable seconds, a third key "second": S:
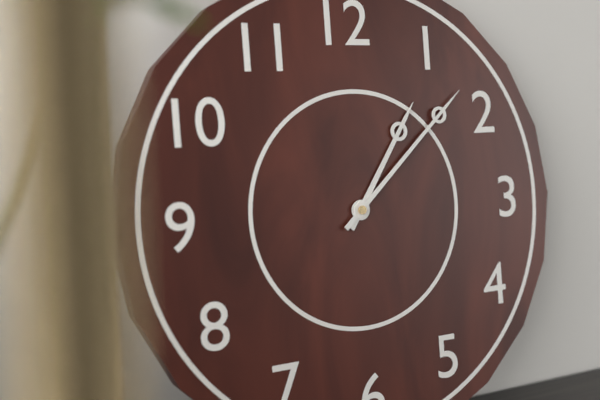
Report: {"hour": 1, "minute": 8}
